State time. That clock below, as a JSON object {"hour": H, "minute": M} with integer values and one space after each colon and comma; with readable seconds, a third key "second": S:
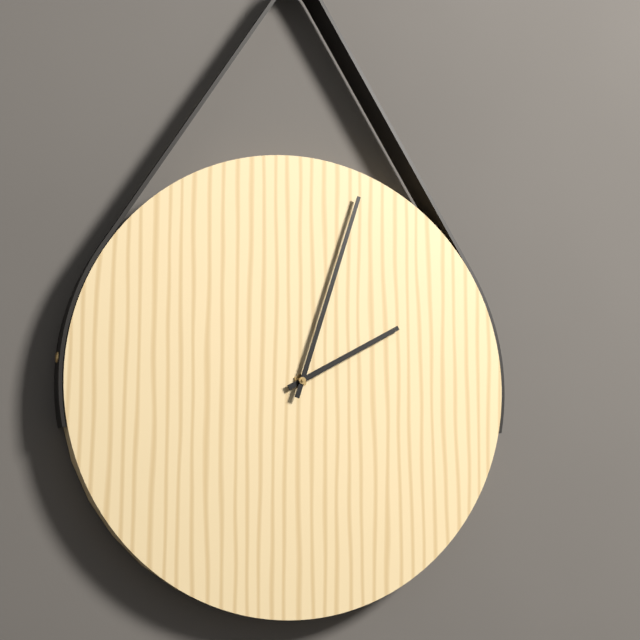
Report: {"hour": 2, "minute": 3}
